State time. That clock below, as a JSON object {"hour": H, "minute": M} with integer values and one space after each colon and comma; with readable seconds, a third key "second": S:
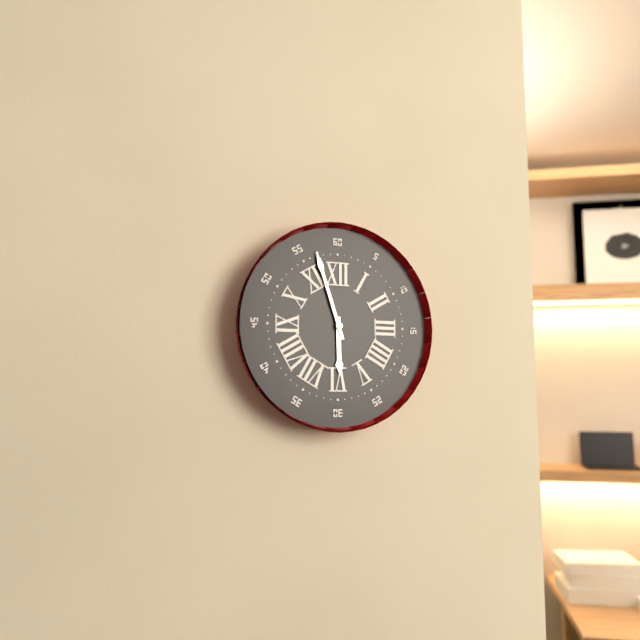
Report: {"hour": 5, "minute": 57}
